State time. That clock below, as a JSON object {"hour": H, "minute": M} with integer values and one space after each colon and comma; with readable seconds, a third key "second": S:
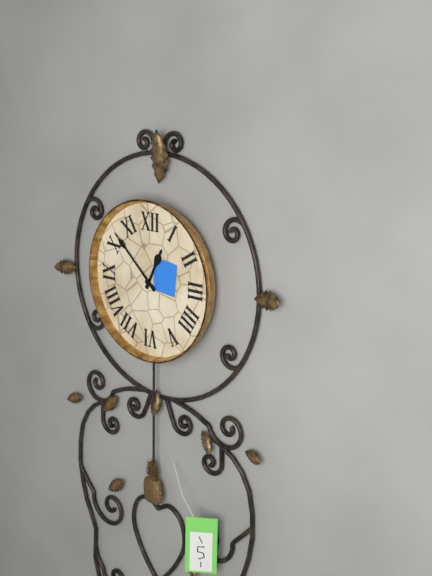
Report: {"hour": 12, "minute": 52}
